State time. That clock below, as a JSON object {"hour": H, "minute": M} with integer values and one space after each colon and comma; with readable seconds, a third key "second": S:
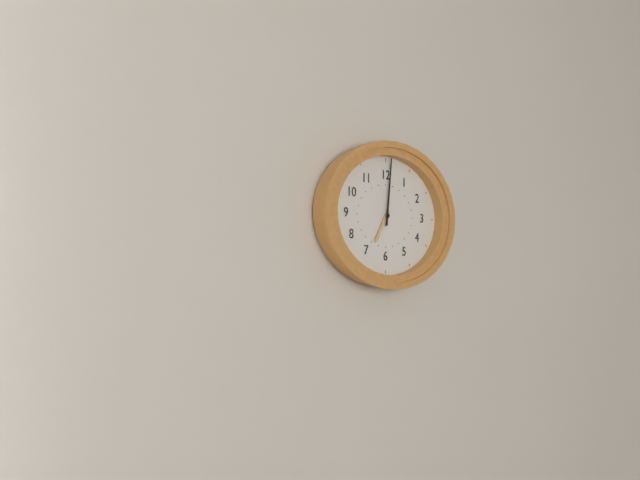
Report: {"hour": 7, "minute": 1}
